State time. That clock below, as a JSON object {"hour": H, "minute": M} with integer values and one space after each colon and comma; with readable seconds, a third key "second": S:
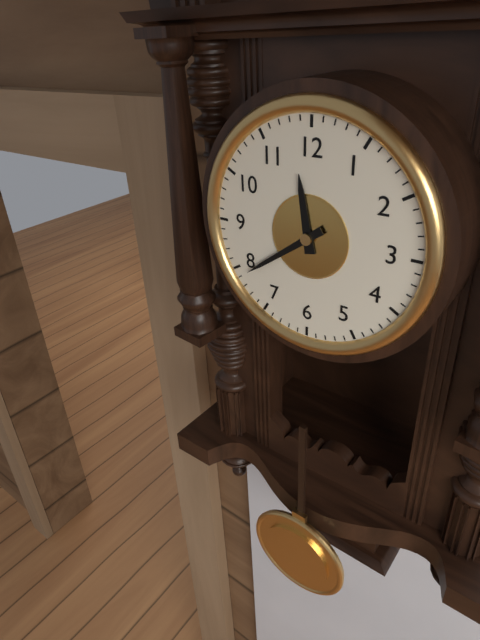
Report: {"hour": 11, "minute": 39}
